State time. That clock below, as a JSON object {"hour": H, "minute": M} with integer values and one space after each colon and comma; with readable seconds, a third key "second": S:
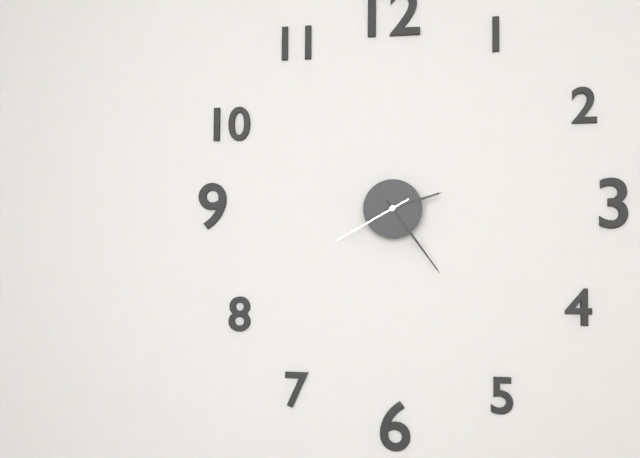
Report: {"hour": 2, "minute": 24, "second": 40}
